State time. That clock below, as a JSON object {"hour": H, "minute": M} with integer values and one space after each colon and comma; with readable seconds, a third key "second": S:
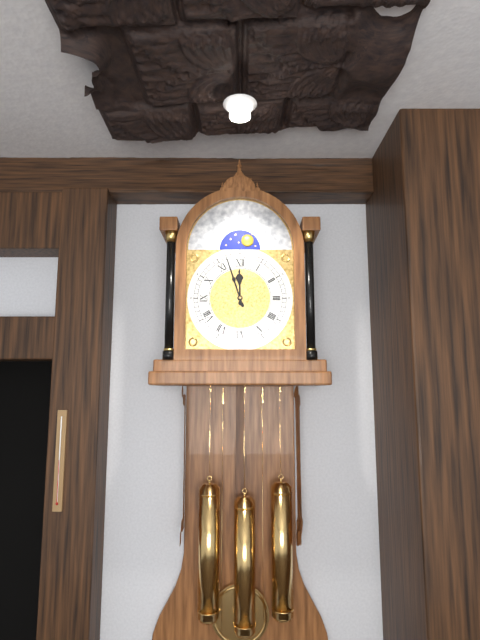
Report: {"hour": 11, "minute": 57}
